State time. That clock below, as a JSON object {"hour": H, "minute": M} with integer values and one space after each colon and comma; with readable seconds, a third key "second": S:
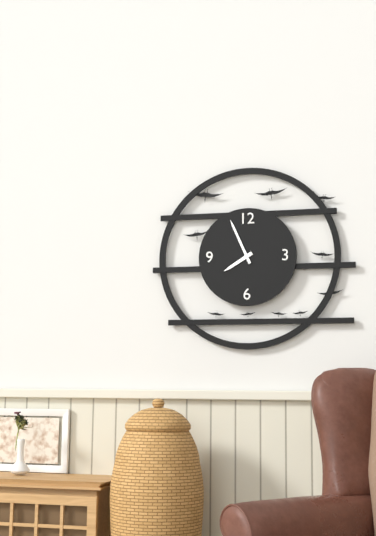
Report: {"hour": 7, "minute": 56}
